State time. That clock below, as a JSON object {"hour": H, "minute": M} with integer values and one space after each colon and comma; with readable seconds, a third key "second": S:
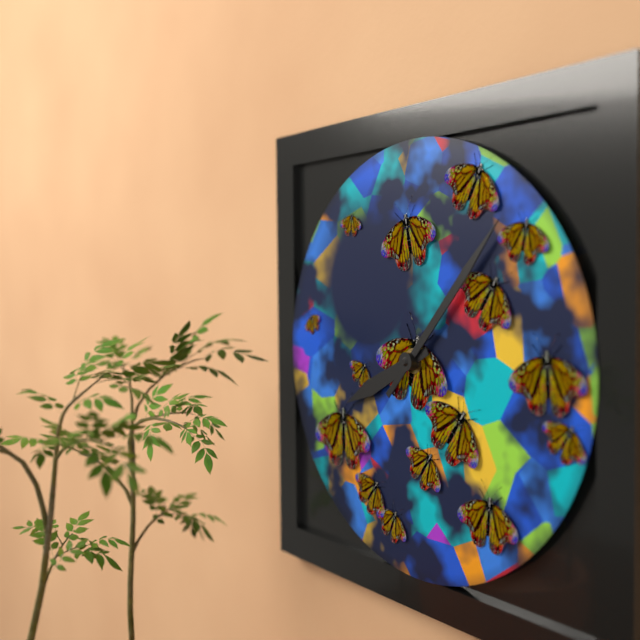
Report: {"hour": 8, "minute": 7}
